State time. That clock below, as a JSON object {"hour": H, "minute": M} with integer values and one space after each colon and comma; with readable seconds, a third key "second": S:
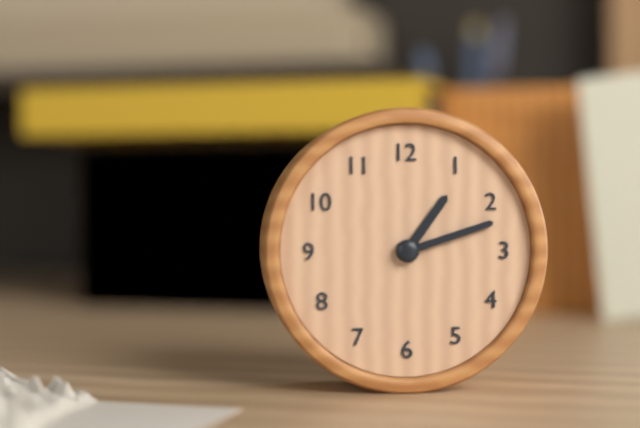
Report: {"hour": 1, "minute": 12}
